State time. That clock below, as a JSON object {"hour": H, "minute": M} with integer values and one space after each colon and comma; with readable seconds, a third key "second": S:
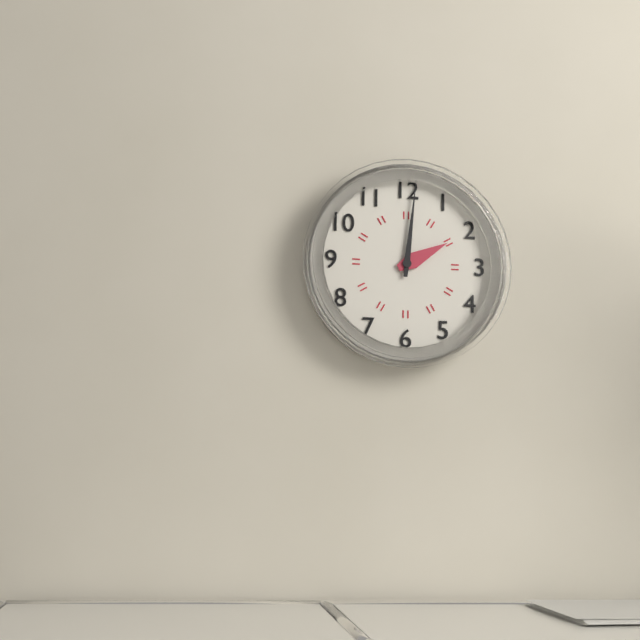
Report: {"hour": 2, "minute": 1}
